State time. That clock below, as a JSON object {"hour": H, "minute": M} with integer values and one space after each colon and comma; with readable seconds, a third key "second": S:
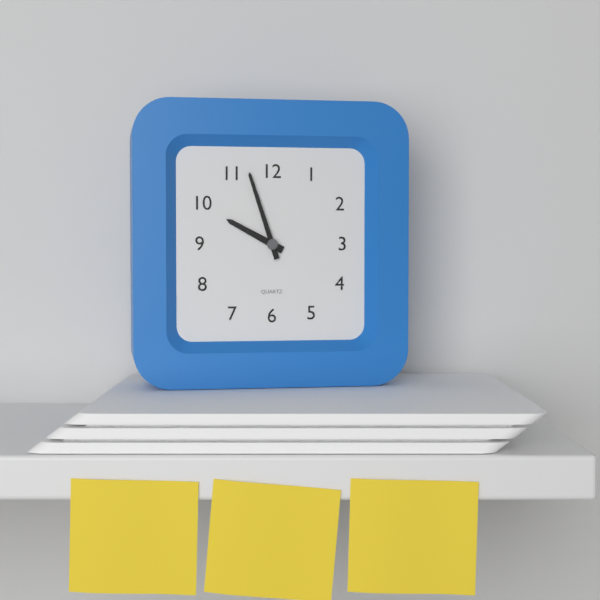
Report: {"hour": 9, "minute": 57}
